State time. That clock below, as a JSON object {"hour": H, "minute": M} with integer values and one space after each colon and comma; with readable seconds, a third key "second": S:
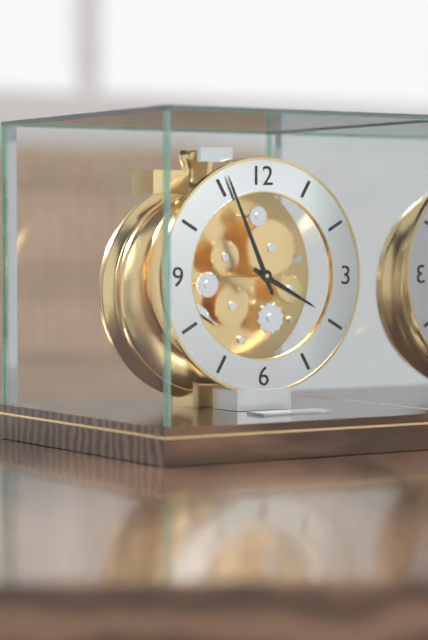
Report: {"hour": 3, "minute": 56}
